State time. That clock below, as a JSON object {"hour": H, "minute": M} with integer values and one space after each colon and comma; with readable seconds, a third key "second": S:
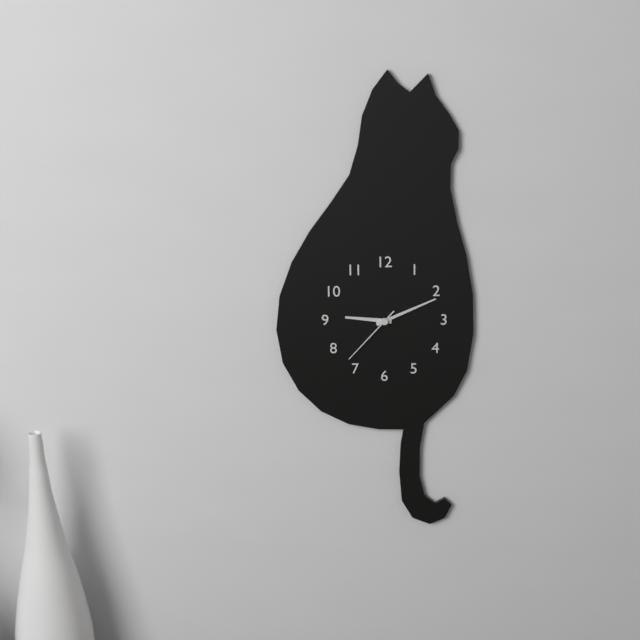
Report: {"hour": 9, "minute": 11, "second": 37}
